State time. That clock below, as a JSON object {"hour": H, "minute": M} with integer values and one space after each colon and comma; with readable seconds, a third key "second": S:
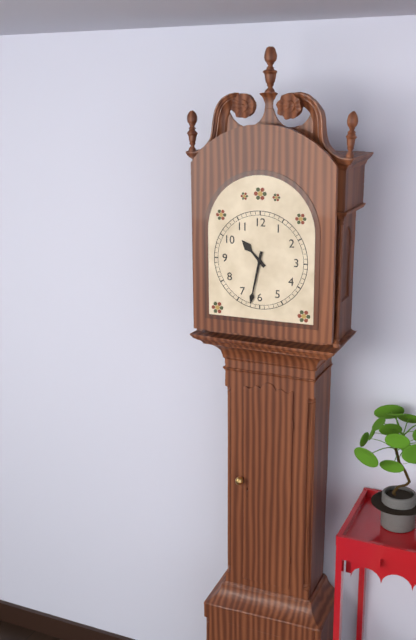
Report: {"hour": 10, "minute": 32}
